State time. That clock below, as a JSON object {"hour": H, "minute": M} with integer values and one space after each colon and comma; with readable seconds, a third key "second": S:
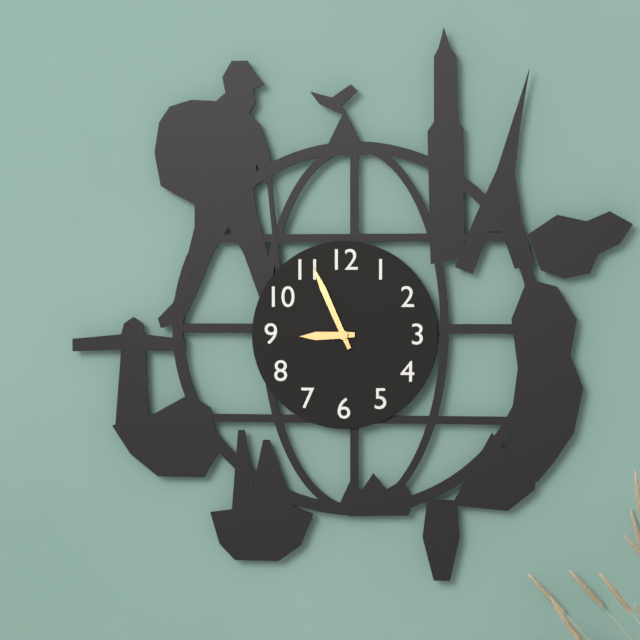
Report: {"hour": 8, "minute": 56}
